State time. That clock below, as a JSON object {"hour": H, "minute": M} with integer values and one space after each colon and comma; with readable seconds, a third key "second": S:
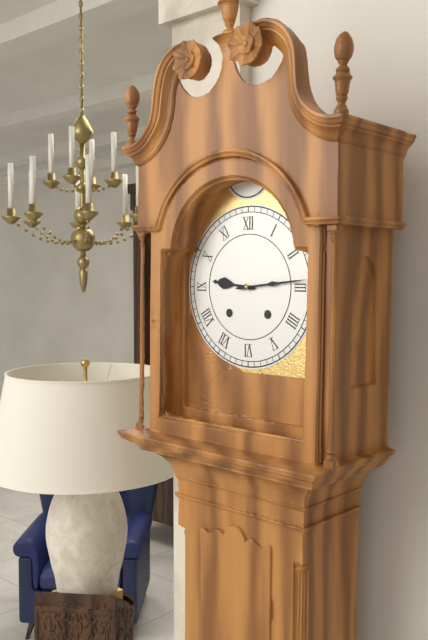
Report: {"hour": 9, "minute": 14}
